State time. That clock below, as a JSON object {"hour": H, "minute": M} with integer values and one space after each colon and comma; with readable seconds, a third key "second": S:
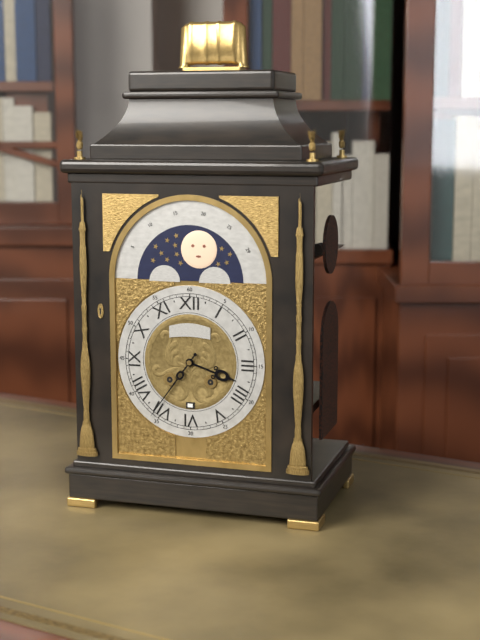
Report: {"hour": 3, "minute": 36}
